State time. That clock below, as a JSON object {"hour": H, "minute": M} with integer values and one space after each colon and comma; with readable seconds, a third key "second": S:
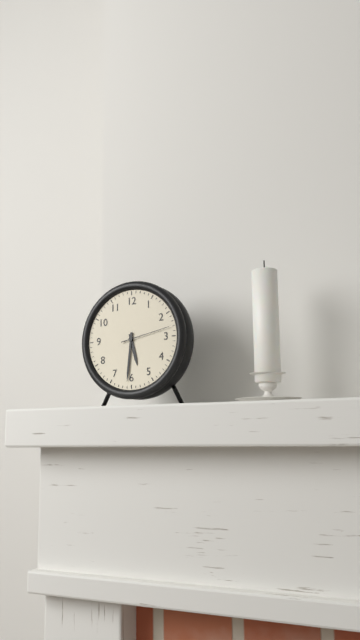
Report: {"hour": 5, "minute": 31, "second": 13}
